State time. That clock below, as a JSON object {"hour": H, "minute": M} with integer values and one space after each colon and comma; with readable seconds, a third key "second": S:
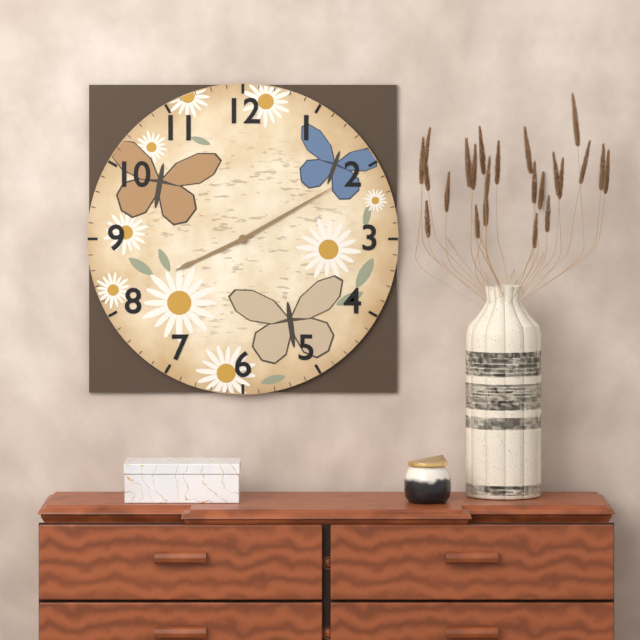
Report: {"hour": 8, "minute": 10}
